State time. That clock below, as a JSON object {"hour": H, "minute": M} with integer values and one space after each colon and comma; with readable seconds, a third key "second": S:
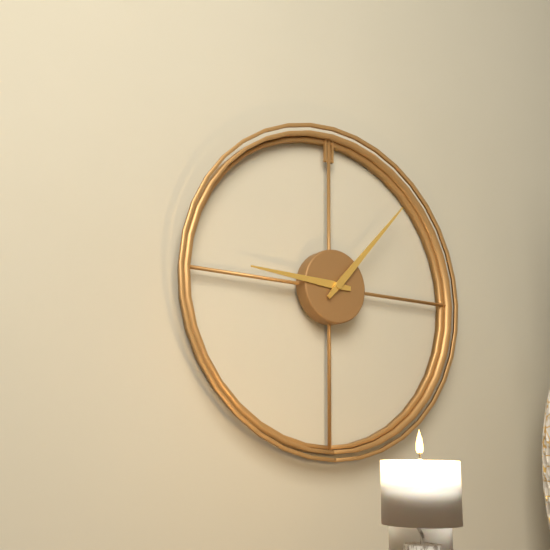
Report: {"hour": 9, "minute": 7}
